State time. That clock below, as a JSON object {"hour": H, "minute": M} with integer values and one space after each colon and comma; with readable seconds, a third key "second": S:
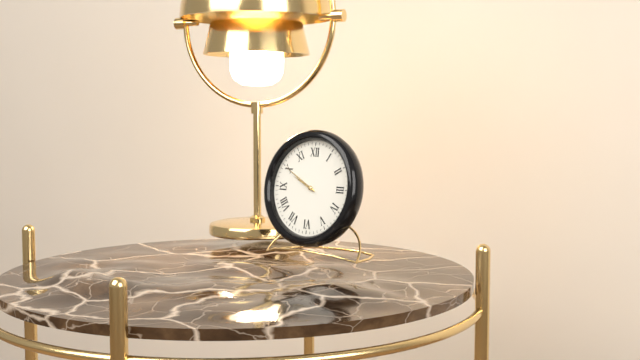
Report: {"hour": 9, "minute": 50}
